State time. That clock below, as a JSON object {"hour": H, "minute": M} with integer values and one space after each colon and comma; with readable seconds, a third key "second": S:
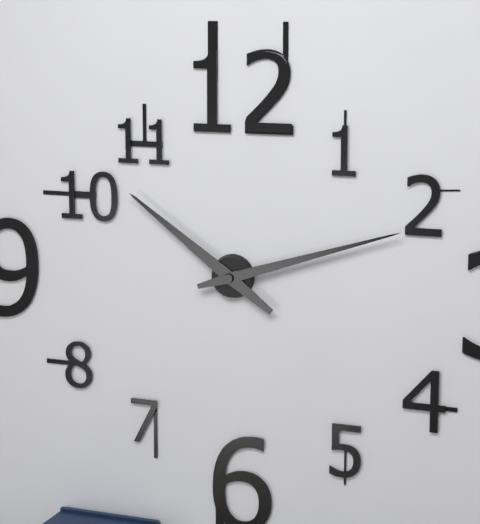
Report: {"hour": 10, "minute": 12}
